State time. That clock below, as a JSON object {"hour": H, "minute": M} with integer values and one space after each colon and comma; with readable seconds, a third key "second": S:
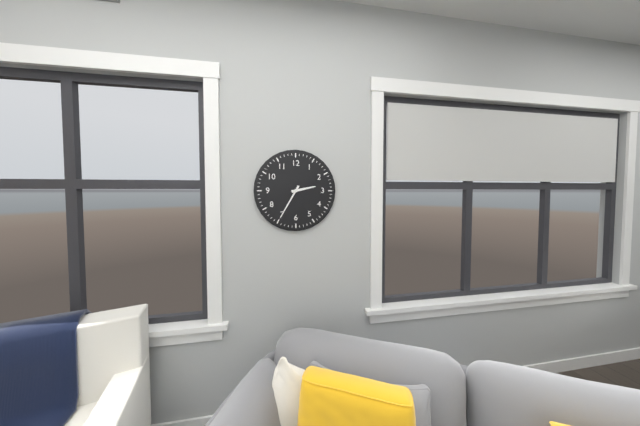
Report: {"hour": 2, "minute": 35}
